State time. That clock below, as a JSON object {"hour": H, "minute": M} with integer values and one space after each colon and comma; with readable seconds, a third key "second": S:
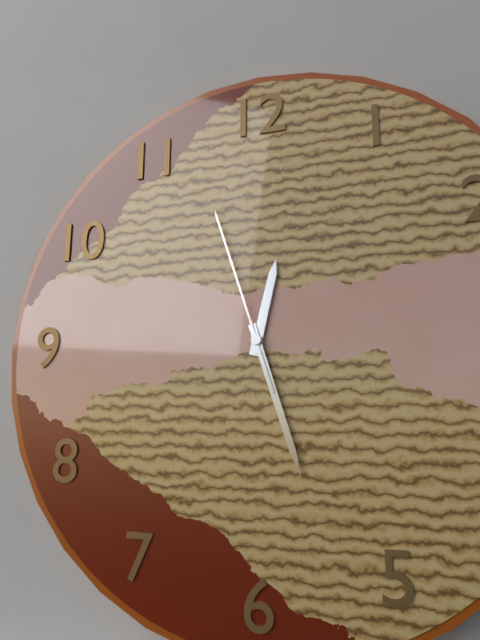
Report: {"hour": 12, "minute": 27, "second": 57}
